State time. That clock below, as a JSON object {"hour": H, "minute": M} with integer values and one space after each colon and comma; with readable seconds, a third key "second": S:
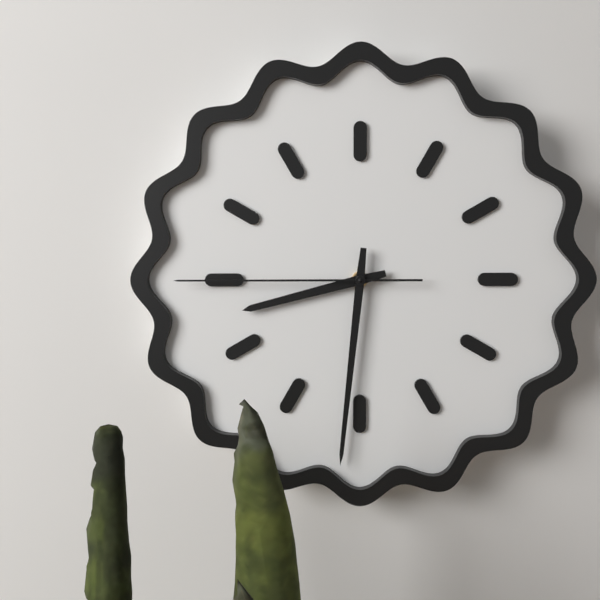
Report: {"hour": 8, "minute": 31, "second": 45}
